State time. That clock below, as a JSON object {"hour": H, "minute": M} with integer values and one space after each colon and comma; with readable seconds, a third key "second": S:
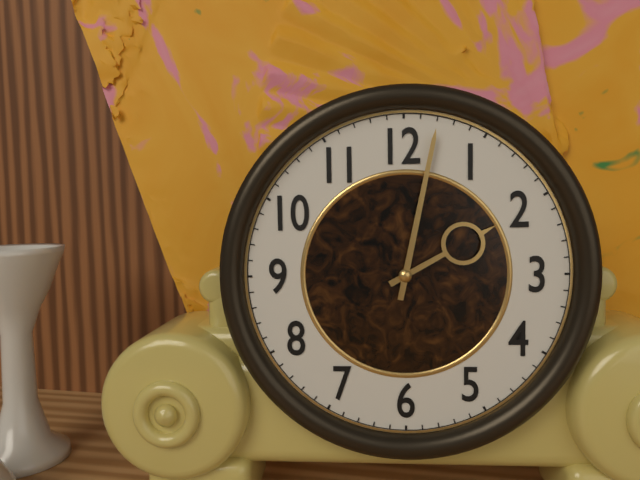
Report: {"hour": 2, "minute": 2}
